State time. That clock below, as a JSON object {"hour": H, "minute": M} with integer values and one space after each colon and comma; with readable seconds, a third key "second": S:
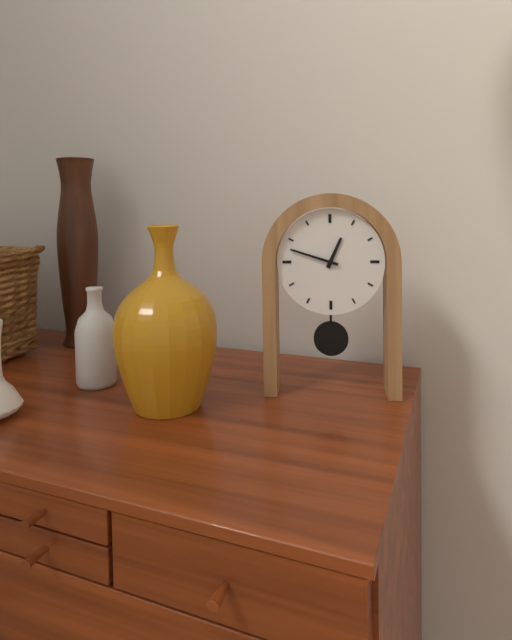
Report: {"hour": 12, "minute": 48}
